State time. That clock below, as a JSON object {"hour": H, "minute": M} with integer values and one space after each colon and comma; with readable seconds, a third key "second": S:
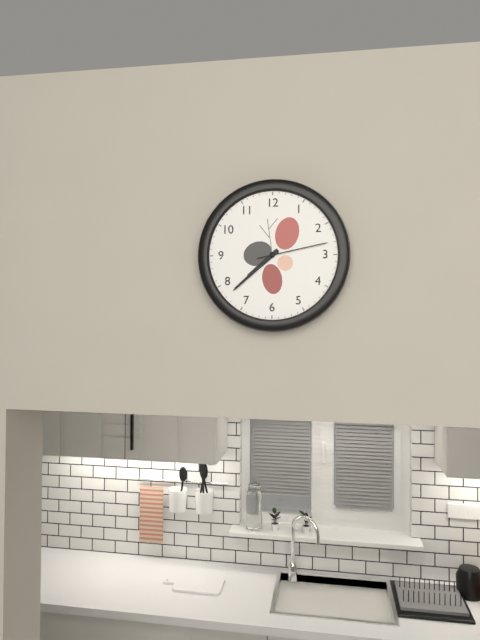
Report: {"hour": 7, "minute": 38, "second": 13}
